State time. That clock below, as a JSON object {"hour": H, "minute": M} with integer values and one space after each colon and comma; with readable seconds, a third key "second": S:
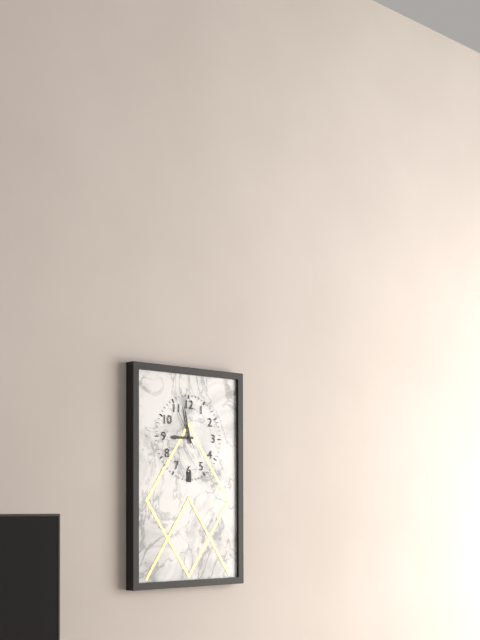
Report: {"hour": 8, "minute": 58}
